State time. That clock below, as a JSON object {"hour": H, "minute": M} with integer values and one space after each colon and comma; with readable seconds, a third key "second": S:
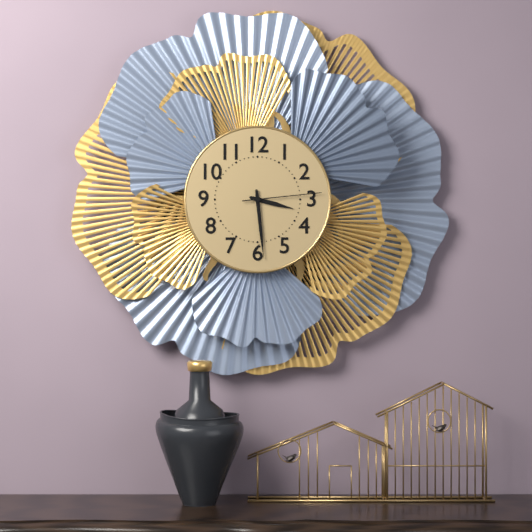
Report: {"hour": 3, "minute": 29, "second": 14}
